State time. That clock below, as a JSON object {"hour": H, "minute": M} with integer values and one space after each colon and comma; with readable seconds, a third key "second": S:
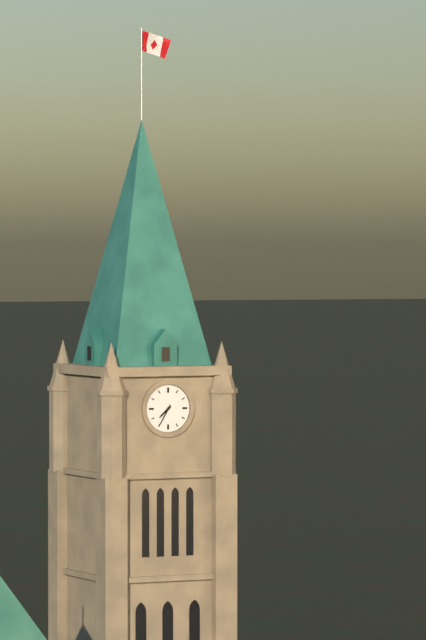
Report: {"hour": 7, "minute": 35}
